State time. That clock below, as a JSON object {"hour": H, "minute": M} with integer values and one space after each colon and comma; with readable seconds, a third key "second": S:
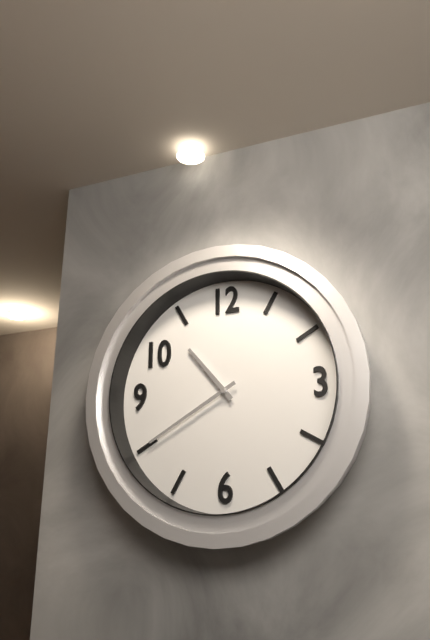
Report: {"hour": 10, "minute": 40}
